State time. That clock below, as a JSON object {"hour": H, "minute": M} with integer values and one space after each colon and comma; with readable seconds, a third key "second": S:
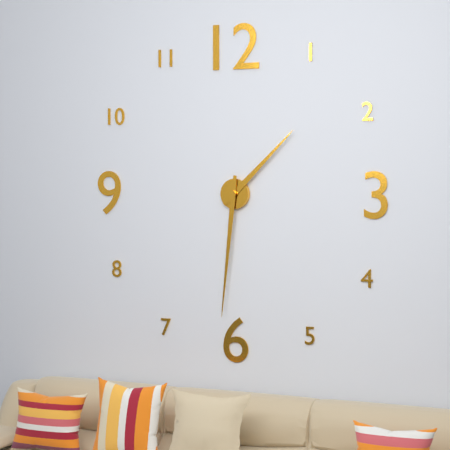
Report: {"hour": 1, "minute": 31}
